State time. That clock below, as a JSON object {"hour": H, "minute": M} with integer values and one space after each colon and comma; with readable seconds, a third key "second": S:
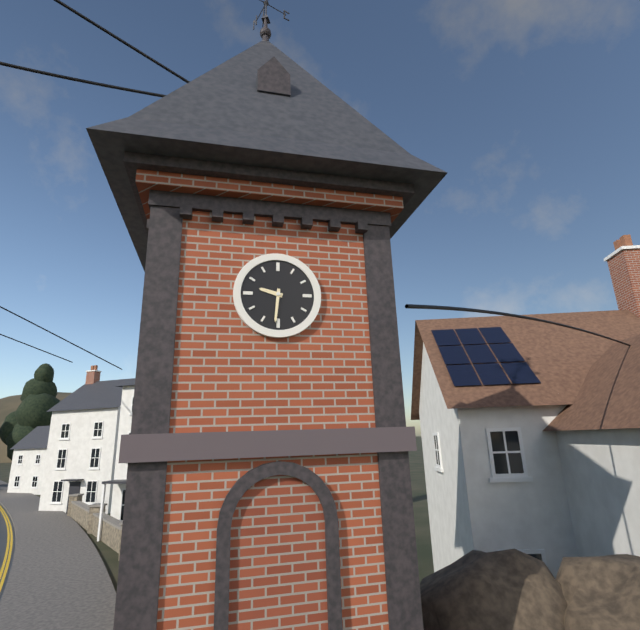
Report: {"hour": 9, "minute": 31}
